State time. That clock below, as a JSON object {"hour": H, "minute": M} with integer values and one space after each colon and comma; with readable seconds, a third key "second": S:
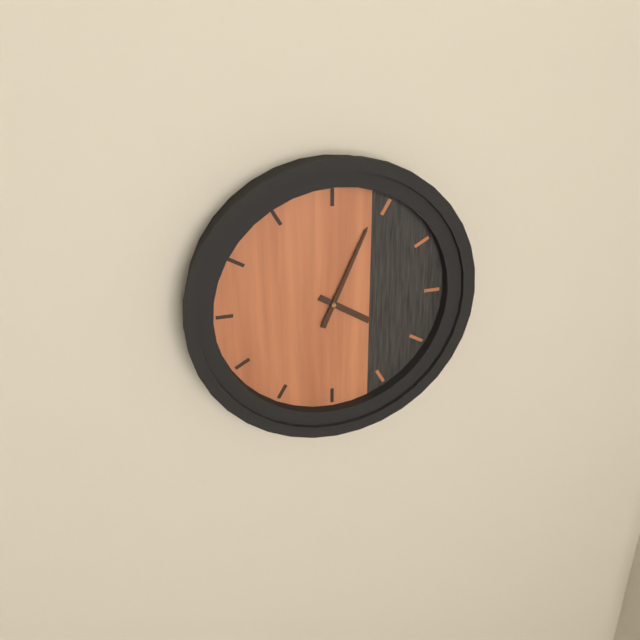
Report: {"hour": 4, "minute": 4}
